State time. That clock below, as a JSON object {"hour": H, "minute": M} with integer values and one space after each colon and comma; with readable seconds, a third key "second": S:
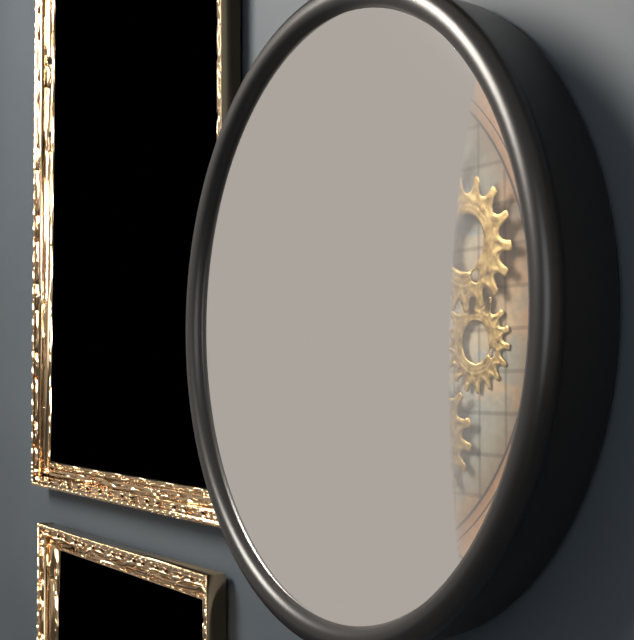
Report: {"hour": 11, "minute": 7}
